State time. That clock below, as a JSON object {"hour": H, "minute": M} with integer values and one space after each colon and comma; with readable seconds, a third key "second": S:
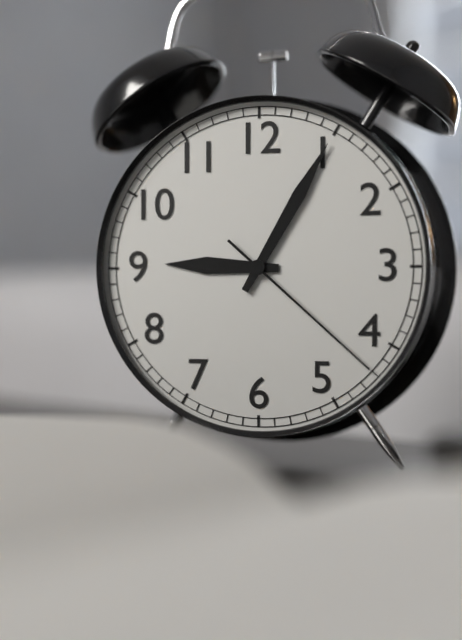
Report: {"hour": 9, "minute": 5, "second": 22}
